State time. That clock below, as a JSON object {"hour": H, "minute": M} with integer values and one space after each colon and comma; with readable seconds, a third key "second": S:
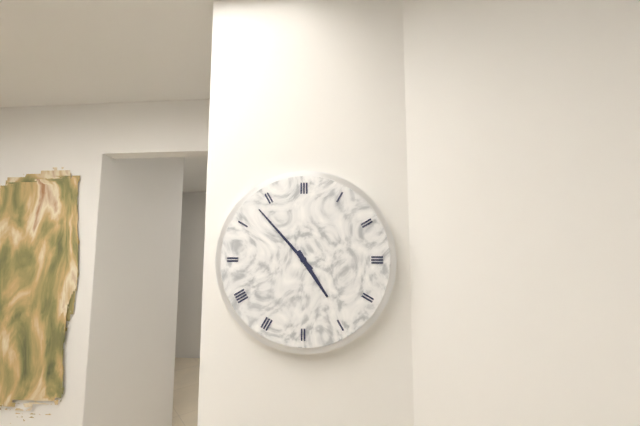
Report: {"hour": 4, "minute": 53}
